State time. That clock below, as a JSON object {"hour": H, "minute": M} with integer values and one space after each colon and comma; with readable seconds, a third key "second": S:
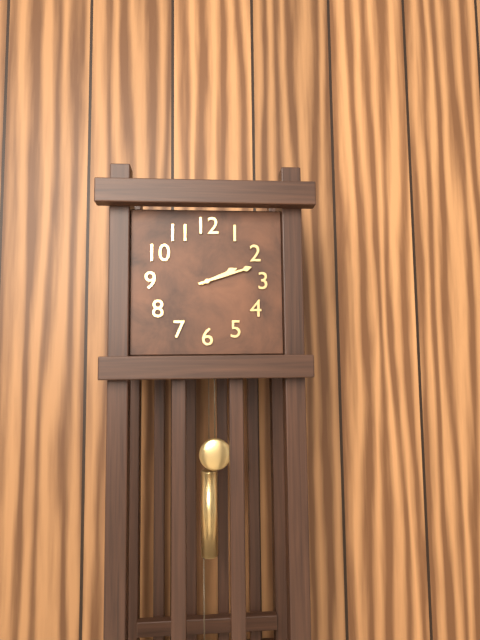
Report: {"hour": 2, "minute": 12}
